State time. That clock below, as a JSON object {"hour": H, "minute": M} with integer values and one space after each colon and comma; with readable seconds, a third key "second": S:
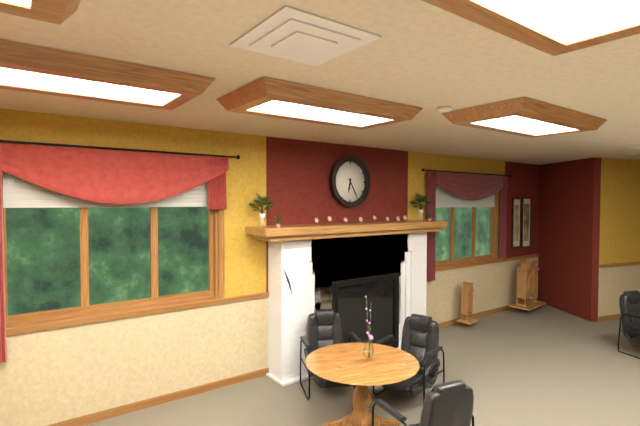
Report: {"hour": 6, "minute": 25}
